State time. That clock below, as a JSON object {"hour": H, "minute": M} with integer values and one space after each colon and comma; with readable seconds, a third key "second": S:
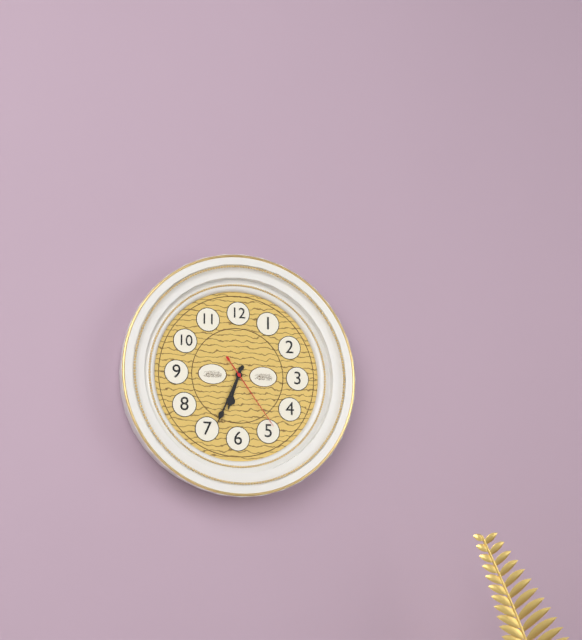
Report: {"hour": 6, "minute": 34, "second": 24}
